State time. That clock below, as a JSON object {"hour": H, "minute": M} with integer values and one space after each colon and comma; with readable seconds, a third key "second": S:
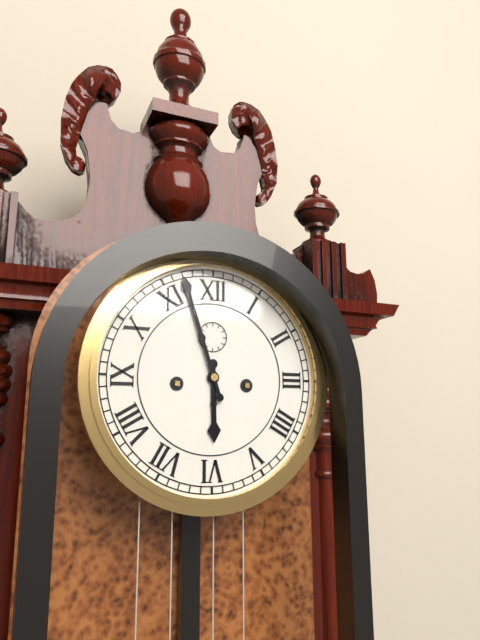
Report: {"hour": 5, "minute": 57}
